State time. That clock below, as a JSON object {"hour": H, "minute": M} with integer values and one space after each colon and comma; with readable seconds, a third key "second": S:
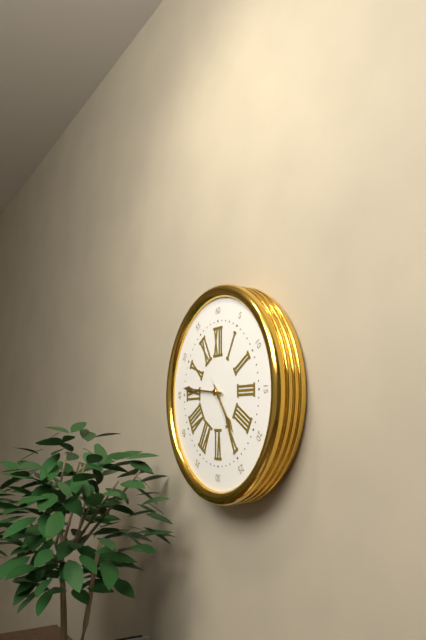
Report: {"hour": 4, "minute": 46, "second": 25}
